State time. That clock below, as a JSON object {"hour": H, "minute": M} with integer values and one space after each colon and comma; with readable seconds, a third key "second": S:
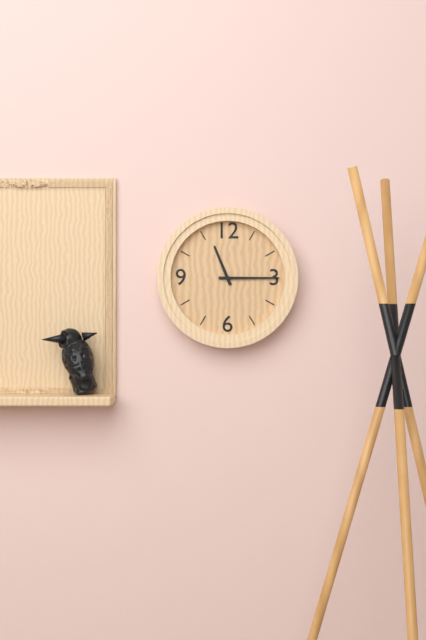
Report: {"hour": 11, "minute": 15}
